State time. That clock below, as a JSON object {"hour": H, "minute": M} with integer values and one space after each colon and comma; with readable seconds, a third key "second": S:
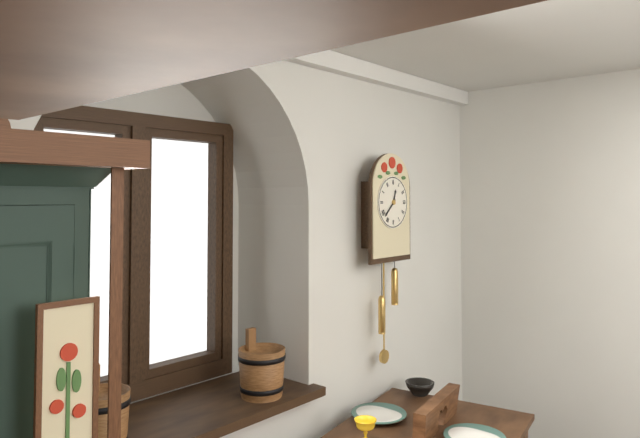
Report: {"hour": 12, "minute": 38}
